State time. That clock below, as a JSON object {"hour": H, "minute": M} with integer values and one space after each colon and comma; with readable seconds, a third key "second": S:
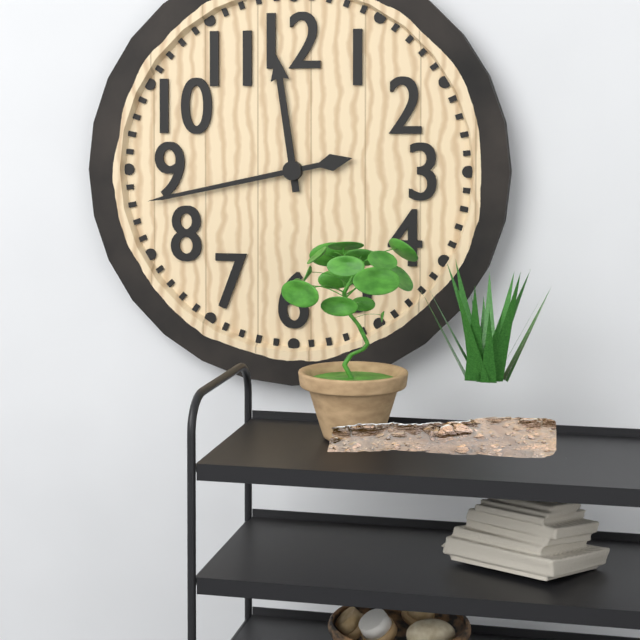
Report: {"hour": 11, "minute": 43}
